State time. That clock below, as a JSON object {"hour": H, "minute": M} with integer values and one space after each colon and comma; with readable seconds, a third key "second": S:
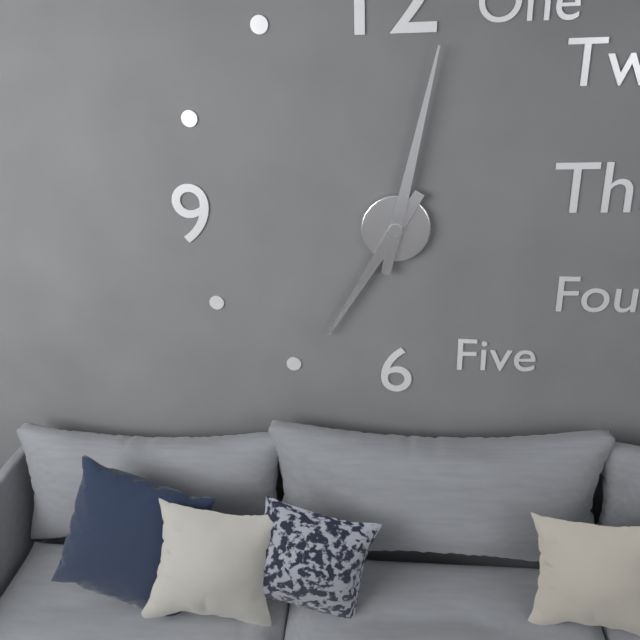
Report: {"hour": 7, "minute": 2}
